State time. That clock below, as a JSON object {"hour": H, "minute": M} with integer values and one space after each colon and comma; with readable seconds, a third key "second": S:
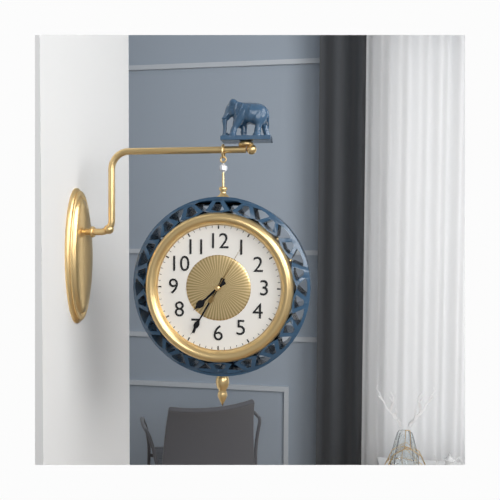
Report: {"hour": 7, "minute": 35, "second": 5}
